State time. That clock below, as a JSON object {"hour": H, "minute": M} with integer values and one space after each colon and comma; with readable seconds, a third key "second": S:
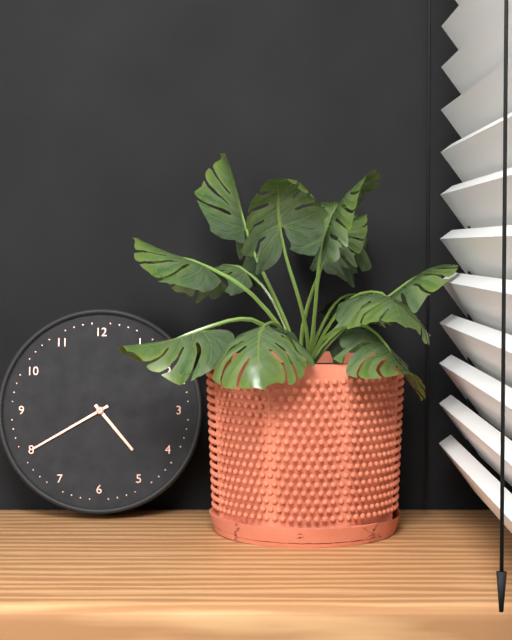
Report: {"hour": 4, "minute": 40}
